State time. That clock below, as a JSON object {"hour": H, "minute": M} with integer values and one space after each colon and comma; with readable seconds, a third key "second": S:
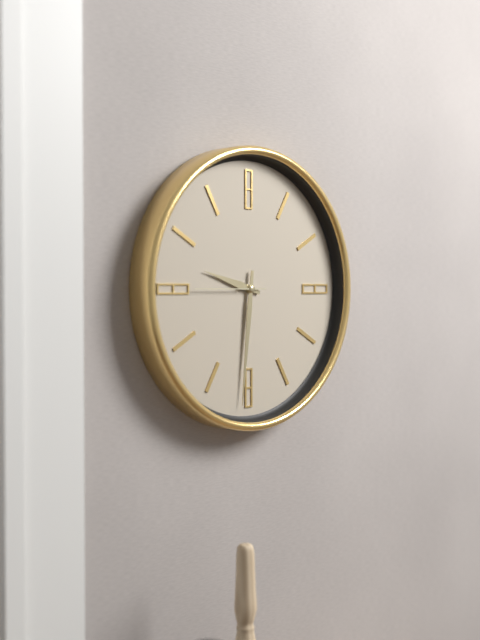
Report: {"hour": 9, "minute": 31, "second": 45}
